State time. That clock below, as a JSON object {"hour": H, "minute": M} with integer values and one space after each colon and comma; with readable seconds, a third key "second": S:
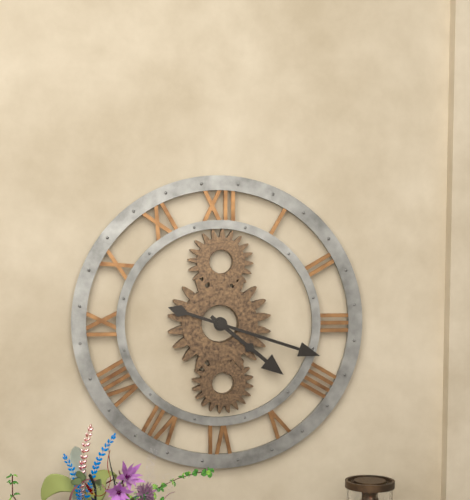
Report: {"hour": 4, "minute": 18}
